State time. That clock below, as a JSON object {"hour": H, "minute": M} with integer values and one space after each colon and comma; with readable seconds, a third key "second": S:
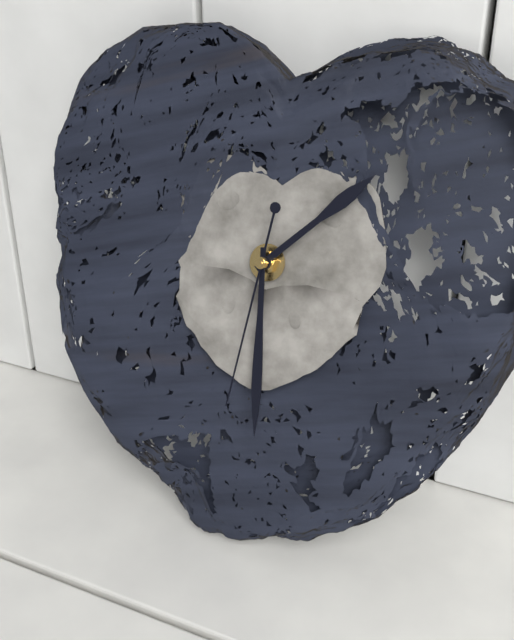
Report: {"hour": 1, "minute": 29, "second": 31}
